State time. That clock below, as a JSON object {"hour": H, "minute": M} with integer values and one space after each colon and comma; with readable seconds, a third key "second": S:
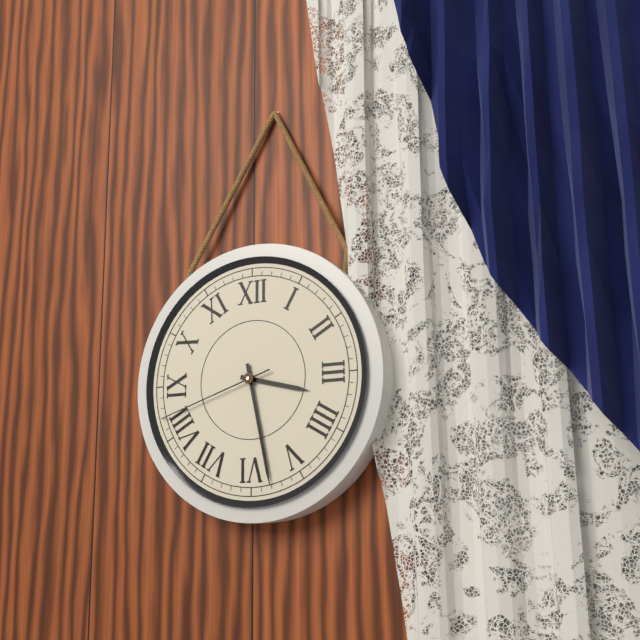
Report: {"hour": 3, "minute": 28, "second": 42}
